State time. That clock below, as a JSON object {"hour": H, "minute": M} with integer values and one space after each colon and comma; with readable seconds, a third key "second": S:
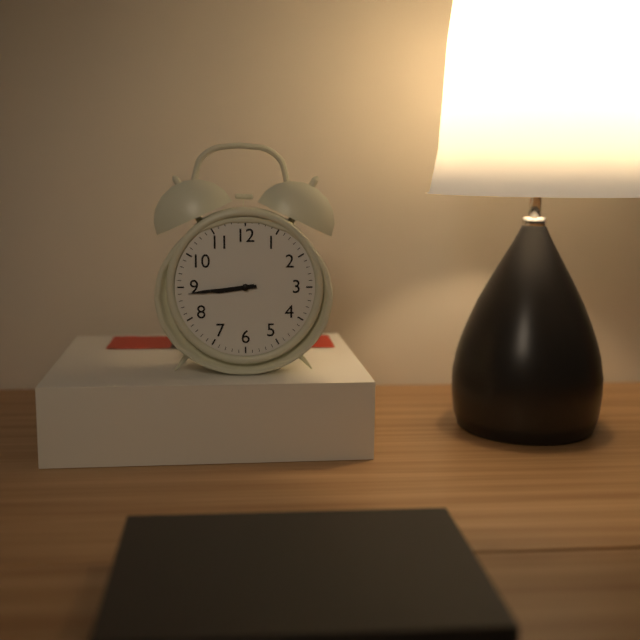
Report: {"hour": 8, "minute": 44}
